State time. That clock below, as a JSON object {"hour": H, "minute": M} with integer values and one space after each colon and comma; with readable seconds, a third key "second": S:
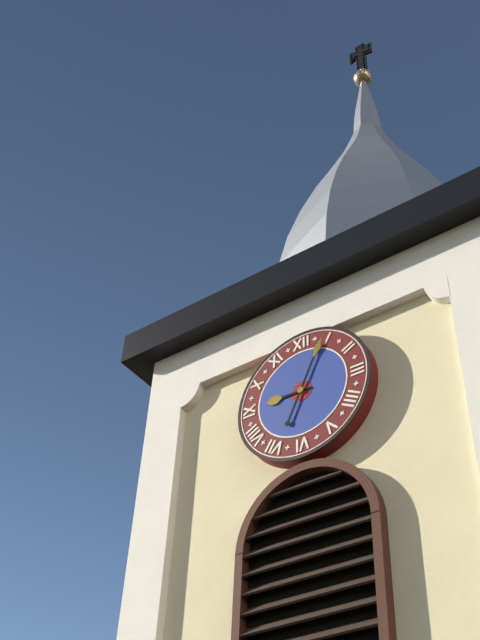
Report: {"hour": 9, "minute": 4}
